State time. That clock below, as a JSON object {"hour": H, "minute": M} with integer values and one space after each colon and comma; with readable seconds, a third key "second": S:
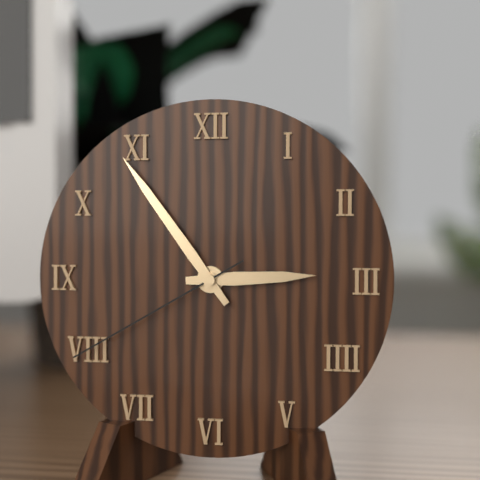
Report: {"hour": 2, "minute": 54, "second": 40}
